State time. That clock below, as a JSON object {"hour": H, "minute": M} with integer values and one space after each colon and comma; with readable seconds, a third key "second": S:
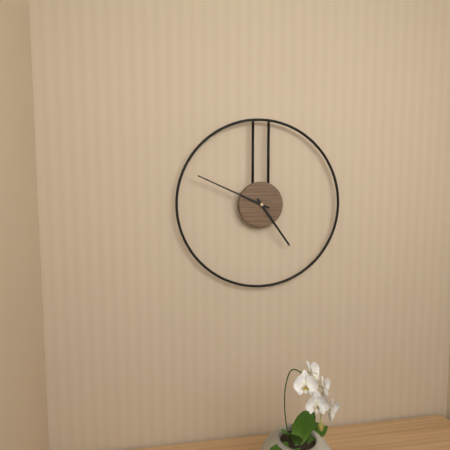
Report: {"hour": 4, "minute": 49}
